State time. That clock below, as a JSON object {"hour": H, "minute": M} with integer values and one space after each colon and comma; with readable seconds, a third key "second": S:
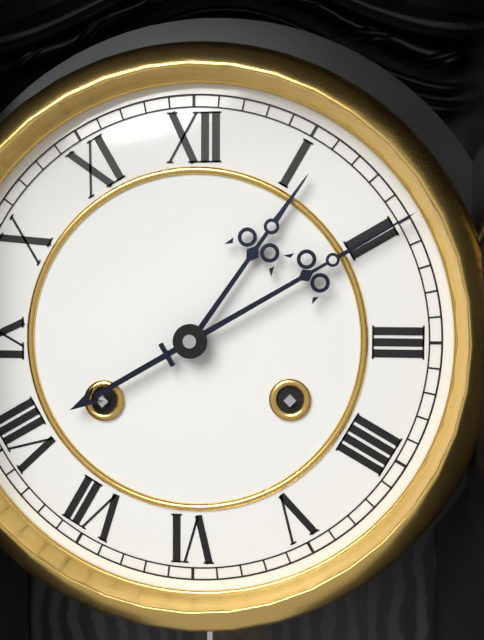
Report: {"hour": 1, "minute": 10}
